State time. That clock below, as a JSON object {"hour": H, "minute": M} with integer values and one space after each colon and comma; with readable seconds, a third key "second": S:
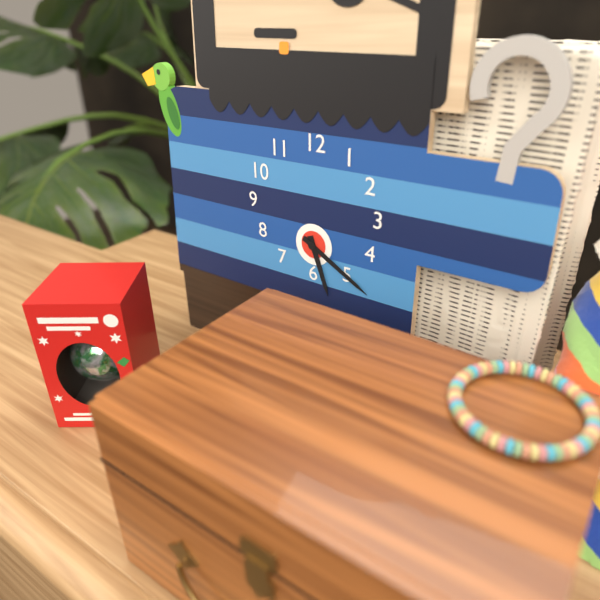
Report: {"hour": 5, "minute": 20}
